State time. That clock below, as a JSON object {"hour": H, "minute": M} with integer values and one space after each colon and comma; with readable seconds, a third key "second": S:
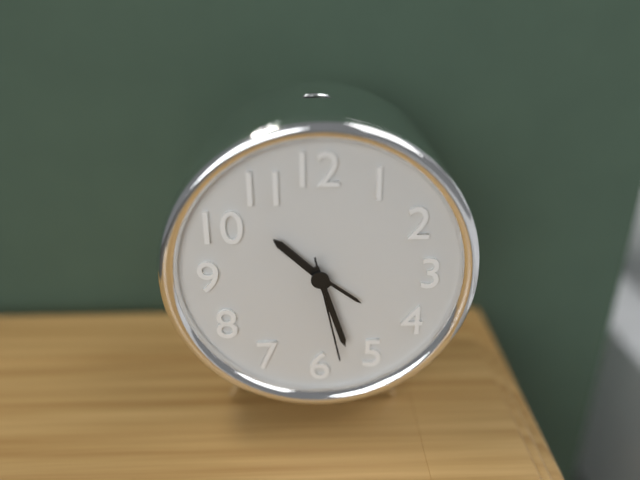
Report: {"hour": 10, "minute": 27, "second": 28}
